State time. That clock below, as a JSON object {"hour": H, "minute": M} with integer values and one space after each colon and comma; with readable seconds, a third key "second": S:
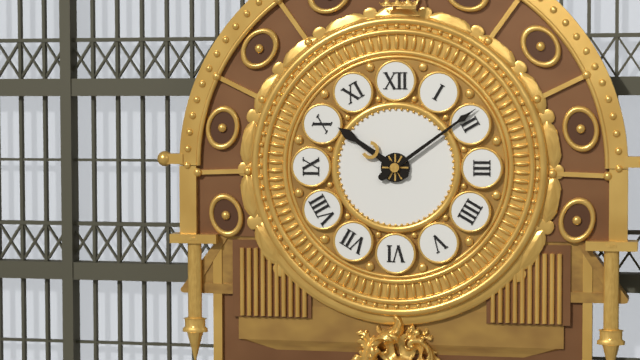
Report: {"hour": 10, "minute": 9}
